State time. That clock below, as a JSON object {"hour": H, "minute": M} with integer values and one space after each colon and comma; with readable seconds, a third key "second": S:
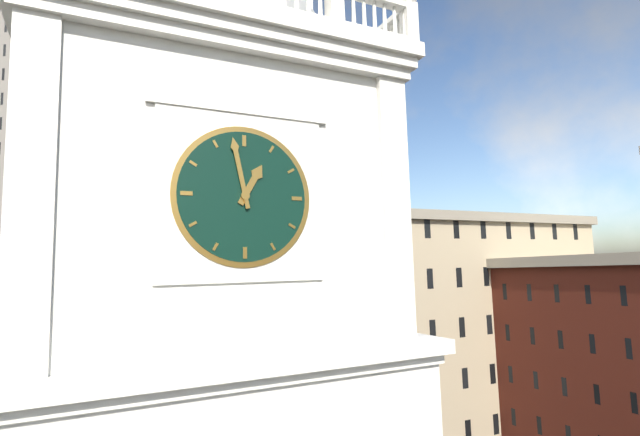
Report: {"hour": 12, "minute": 58}
